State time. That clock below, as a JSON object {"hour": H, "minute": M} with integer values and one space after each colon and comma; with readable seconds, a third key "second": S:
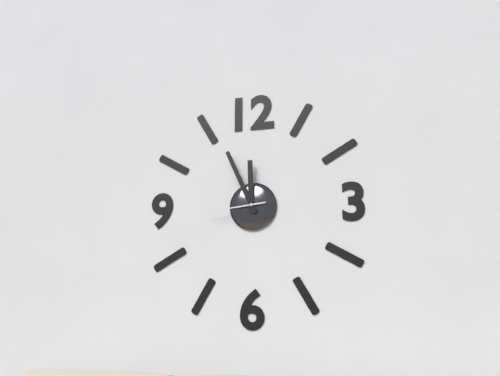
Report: {"hour": 11, "minute": 56, "second": 44}
